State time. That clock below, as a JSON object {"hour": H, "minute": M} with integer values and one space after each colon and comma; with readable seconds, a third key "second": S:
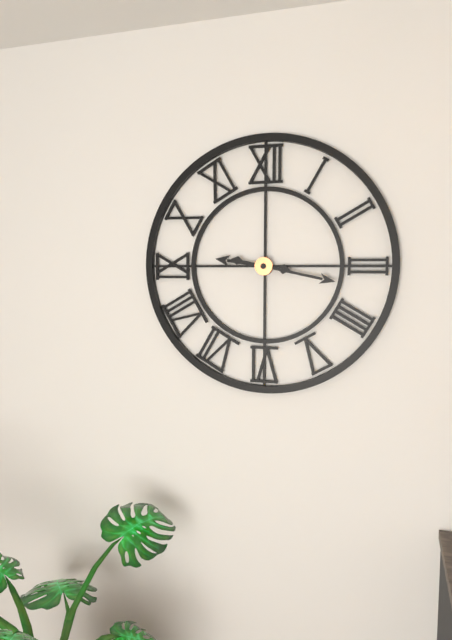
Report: {"hour": 9, "minute": 17}
